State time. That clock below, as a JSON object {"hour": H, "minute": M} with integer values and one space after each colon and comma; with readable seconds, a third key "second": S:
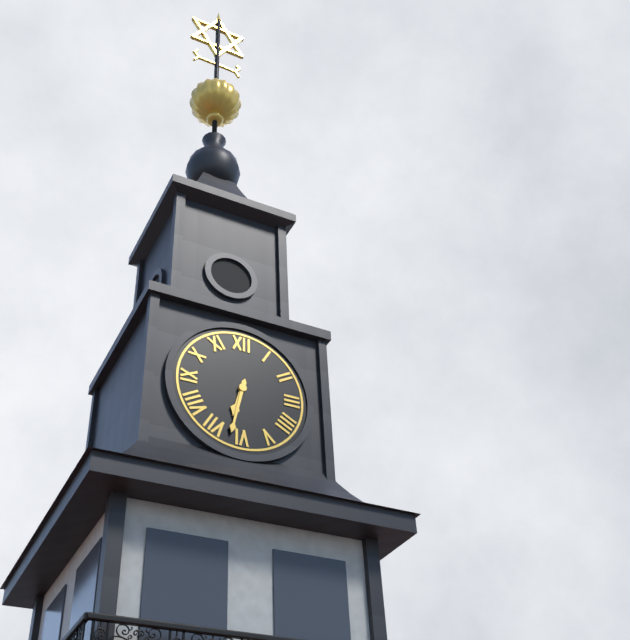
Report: {"hour": 6, "minute": 32}
